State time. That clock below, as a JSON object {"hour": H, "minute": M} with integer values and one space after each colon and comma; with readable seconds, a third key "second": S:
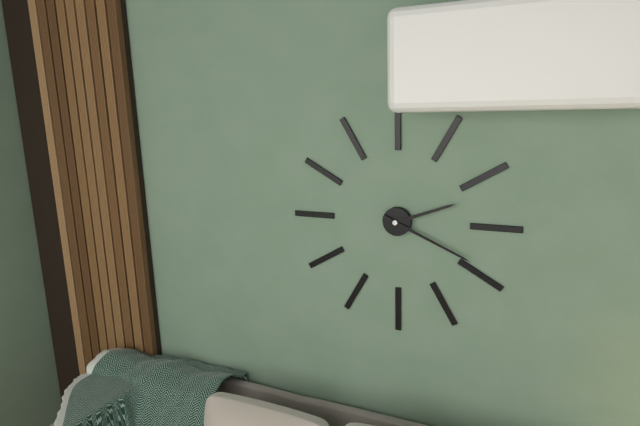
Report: {"hour": 2, "minute": 19}
